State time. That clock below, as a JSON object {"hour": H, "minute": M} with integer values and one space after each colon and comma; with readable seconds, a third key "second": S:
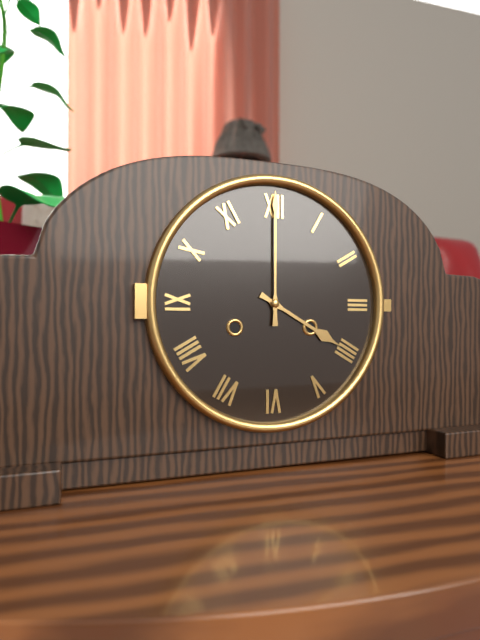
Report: {"hour": 4, "minute": 0}
